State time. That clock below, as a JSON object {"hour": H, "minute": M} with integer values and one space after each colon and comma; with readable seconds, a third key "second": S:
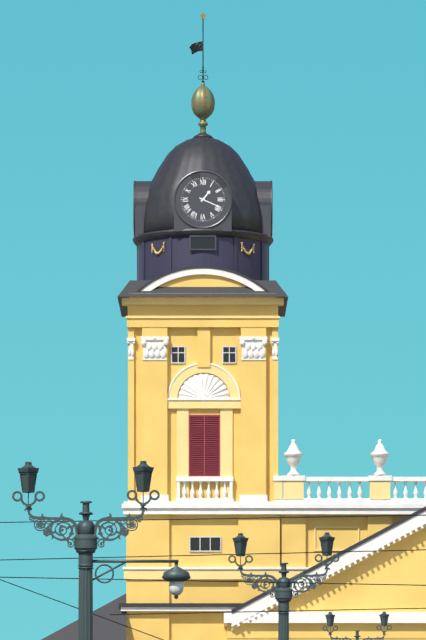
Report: {"hour": 1, "minute": 19}
